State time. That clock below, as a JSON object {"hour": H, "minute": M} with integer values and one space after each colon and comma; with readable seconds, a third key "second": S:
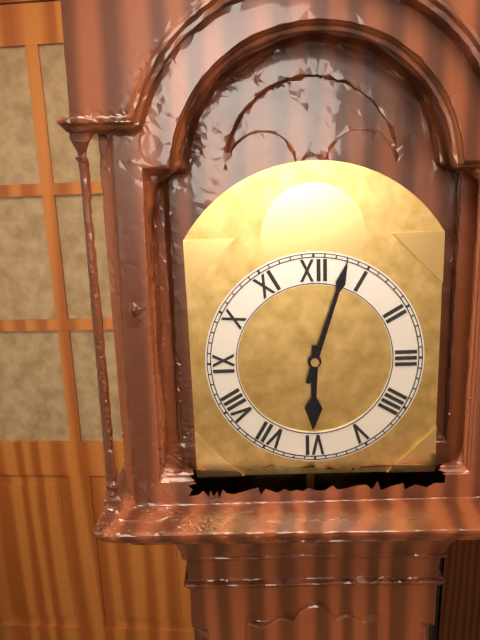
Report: {"hour": 6, "minute": 3}
